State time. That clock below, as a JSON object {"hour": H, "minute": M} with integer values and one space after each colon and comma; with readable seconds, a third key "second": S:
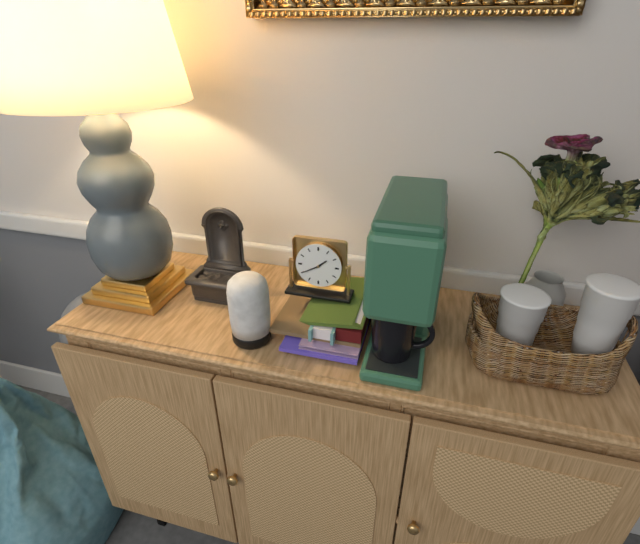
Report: {"hour": 1, "minute": 40}
